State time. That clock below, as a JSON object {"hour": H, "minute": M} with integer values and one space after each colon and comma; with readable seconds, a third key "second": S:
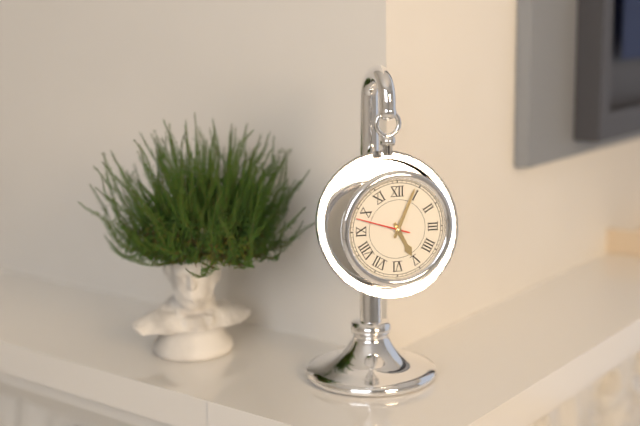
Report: {"hour": 5, "minute": 4, "second": 48}
